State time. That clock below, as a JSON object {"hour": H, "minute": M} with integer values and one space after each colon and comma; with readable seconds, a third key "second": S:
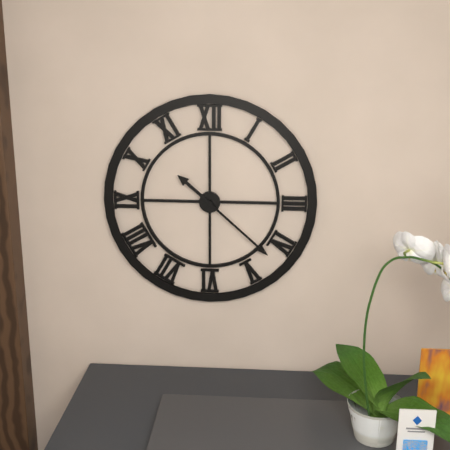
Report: {"hour": 10, "minute": 22}
